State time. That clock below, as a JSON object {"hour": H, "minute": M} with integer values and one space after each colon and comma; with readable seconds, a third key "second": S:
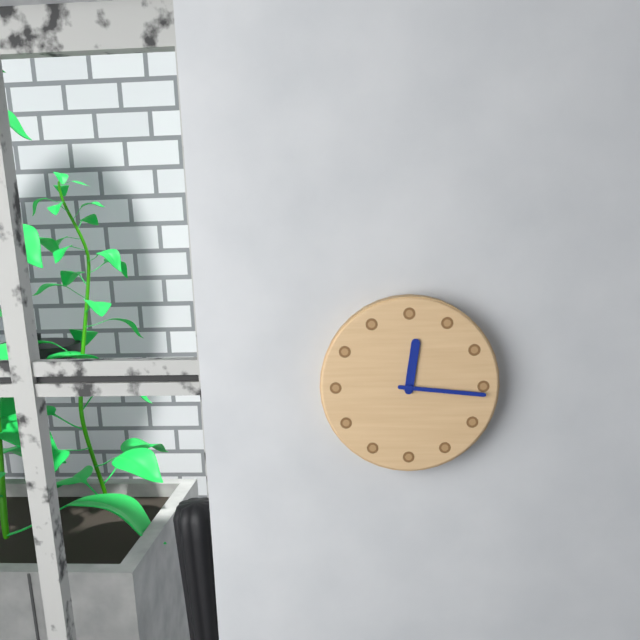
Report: {"hour": 12, "minute": 16}
